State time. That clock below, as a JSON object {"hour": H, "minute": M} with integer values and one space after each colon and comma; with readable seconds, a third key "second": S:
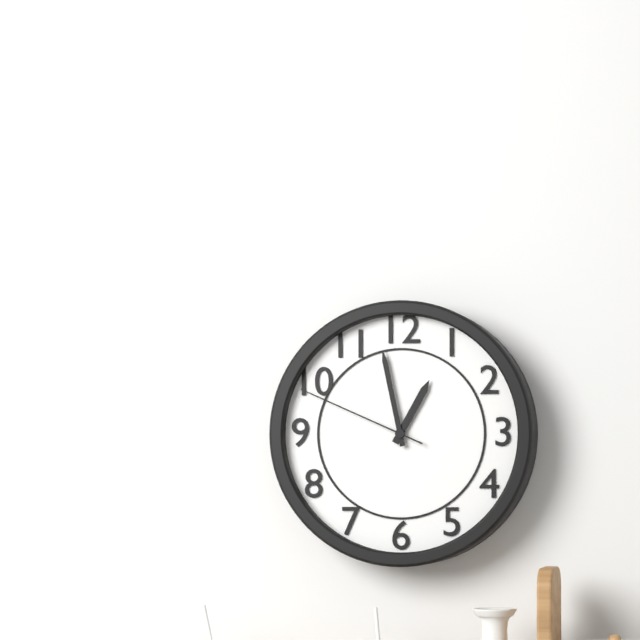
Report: {"hour": 12, "minute": 58, "second": 49}
